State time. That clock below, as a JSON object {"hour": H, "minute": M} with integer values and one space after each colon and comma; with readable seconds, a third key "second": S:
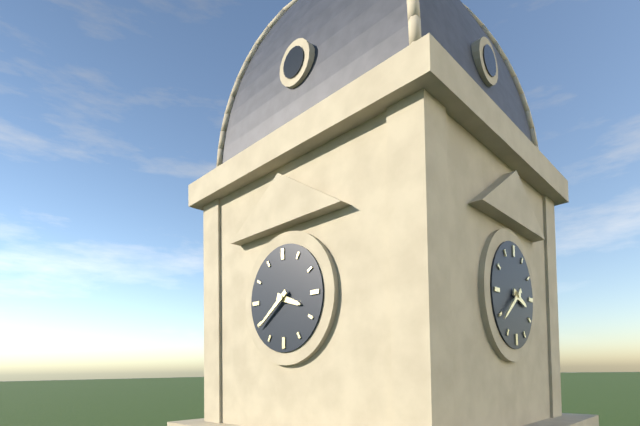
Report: {"hour": 3, "minute": 39}
